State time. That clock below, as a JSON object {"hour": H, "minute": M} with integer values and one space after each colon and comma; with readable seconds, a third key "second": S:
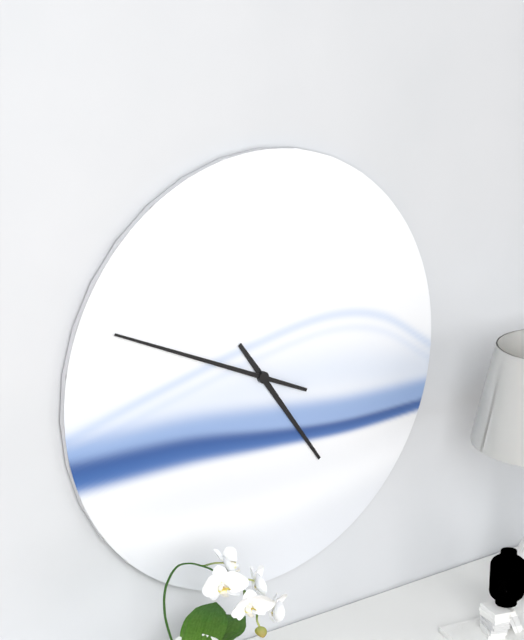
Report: {"hour": 4, "minute": 49}
